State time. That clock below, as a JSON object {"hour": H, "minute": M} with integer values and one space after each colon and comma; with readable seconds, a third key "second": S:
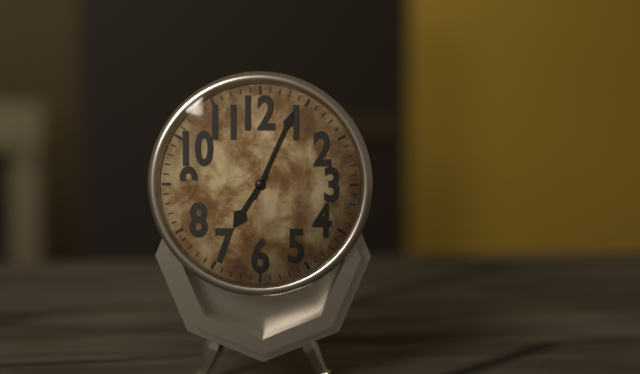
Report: {"hour": 7, "minute": 4}
